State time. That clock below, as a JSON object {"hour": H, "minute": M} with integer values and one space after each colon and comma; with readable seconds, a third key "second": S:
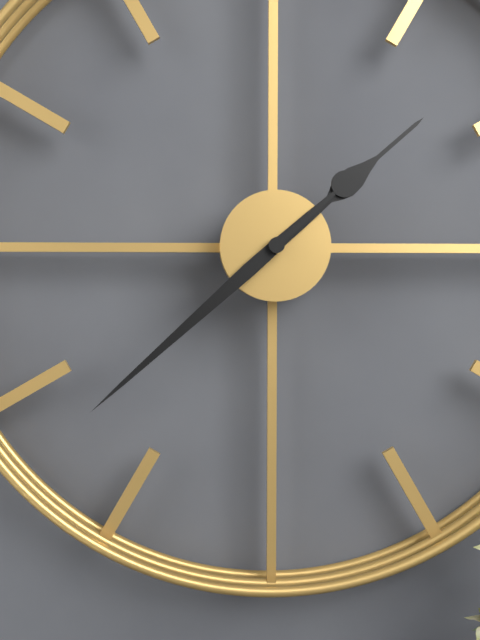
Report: {"hour": 1, "minute": 38}
